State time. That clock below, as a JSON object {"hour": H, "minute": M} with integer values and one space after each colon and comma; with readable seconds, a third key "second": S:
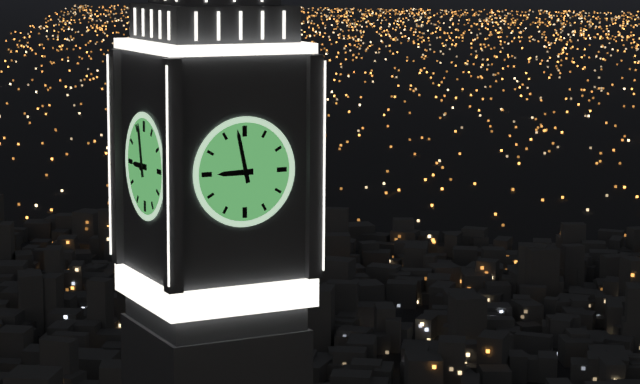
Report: {"hour": 8, "minute": 58}
